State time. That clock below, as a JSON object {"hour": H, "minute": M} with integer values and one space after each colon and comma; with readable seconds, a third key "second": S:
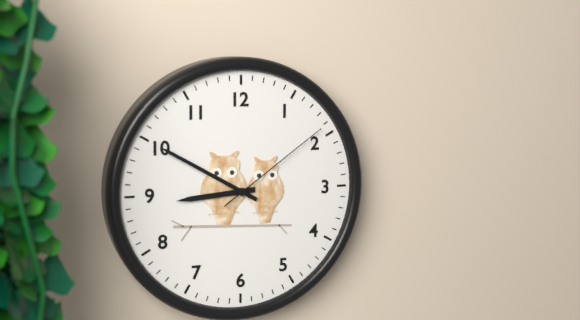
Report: {"hour": 8, "minute": 50, "second": 9}
